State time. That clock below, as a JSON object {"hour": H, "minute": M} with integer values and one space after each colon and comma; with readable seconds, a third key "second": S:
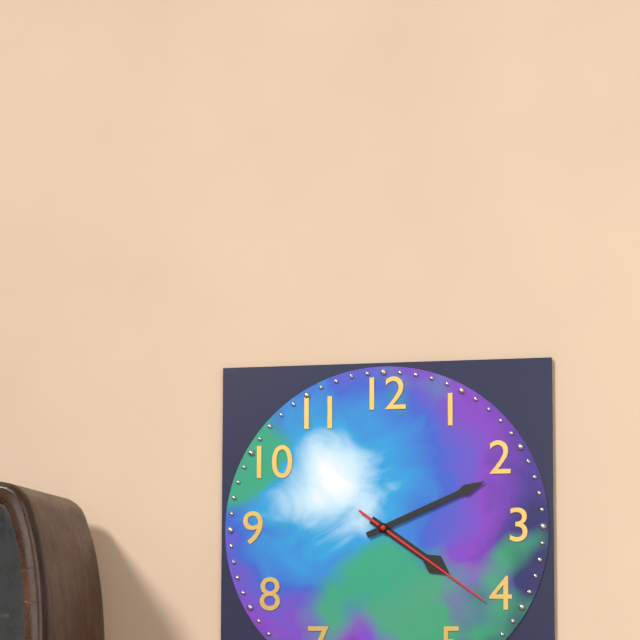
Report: {"hour": 4, "minute": 11, "second": 21}
